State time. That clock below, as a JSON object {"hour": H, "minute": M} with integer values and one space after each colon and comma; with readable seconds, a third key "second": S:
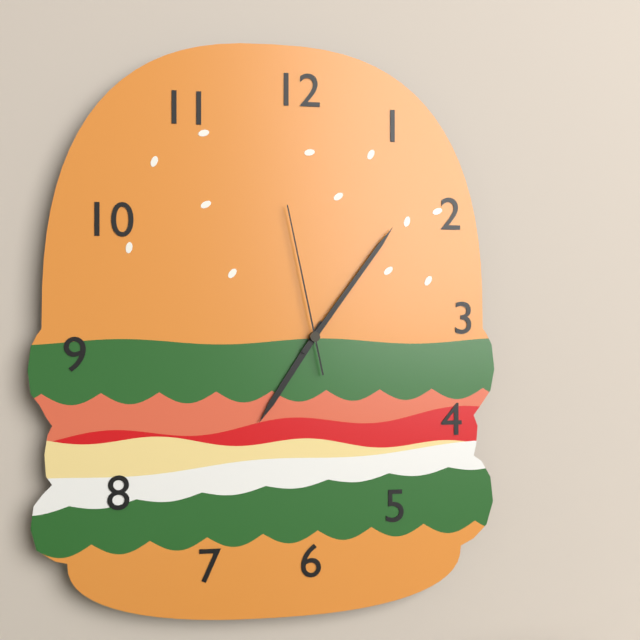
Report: {"hour": 7, "minute": 6, "second": 58}
